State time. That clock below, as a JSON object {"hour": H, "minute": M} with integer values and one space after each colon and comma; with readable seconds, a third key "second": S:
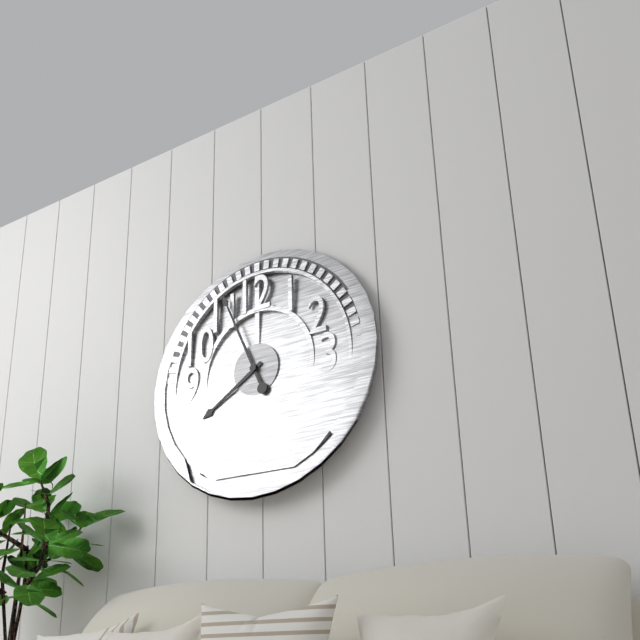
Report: {"hour": 7, "minute": 56}
